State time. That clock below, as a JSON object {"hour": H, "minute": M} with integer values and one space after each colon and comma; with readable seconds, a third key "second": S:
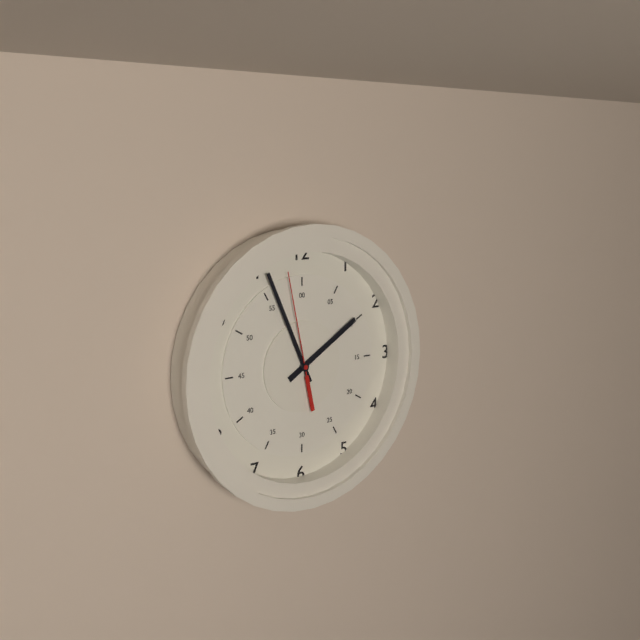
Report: {"hour": 1, "minute": 56, "second": 58}
